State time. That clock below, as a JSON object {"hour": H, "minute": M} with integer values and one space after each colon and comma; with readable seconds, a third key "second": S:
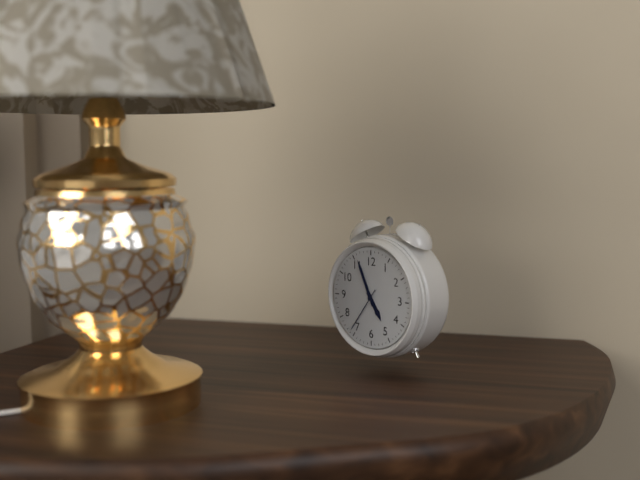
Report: {"hour": 4, "minute": 56}
